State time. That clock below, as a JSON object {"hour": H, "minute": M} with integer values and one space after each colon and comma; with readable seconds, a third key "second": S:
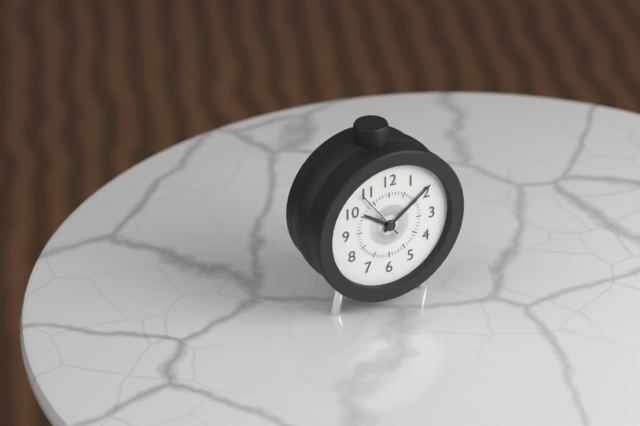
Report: {"hour": 10, "minute": 9, "second": 54}
